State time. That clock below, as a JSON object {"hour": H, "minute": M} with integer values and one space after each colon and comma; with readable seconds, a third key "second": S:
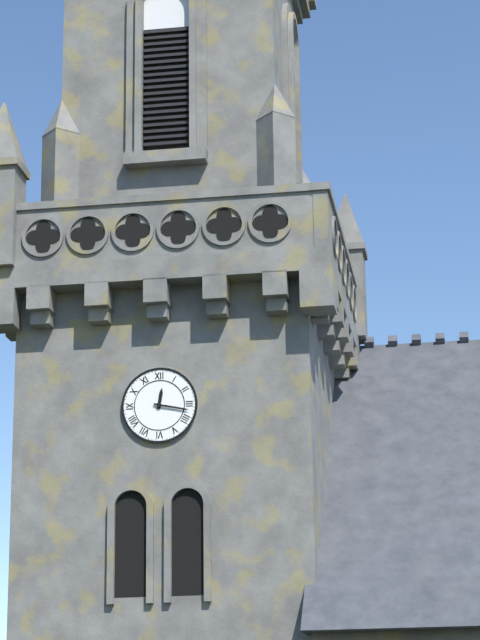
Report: {"hour": 12, "minute": 17}
